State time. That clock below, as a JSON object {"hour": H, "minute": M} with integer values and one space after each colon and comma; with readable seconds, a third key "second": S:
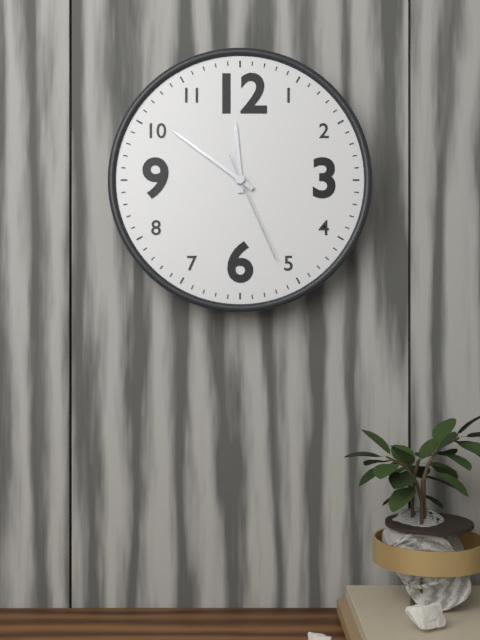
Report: {"hour": 11, "minute": 51, "second": 26}
